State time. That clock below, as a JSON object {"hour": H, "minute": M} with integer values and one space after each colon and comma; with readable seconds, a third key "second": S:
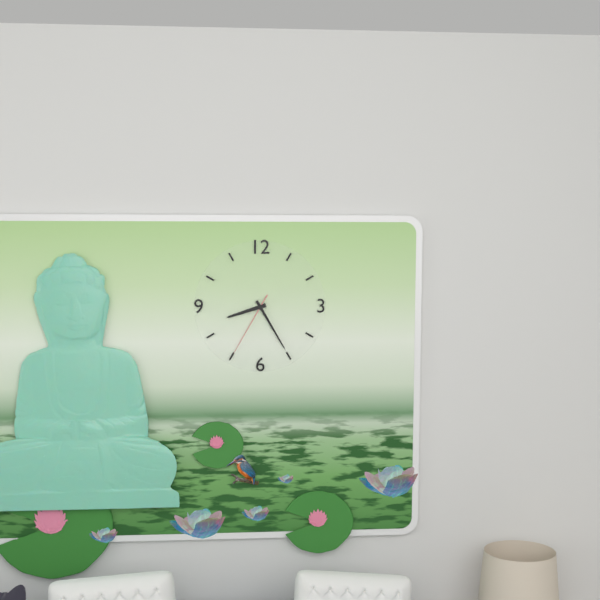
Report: {"hour": 8, "minute": 25, "second": 35}
